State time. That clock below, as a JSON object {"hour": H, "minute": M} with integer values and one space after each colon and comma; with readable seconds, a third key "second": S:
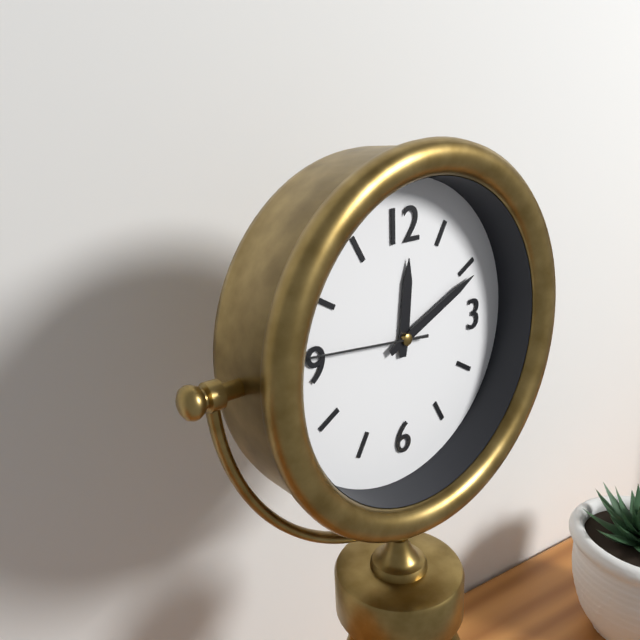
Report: {"hour": 12, "minute": 11, "second": 46}
